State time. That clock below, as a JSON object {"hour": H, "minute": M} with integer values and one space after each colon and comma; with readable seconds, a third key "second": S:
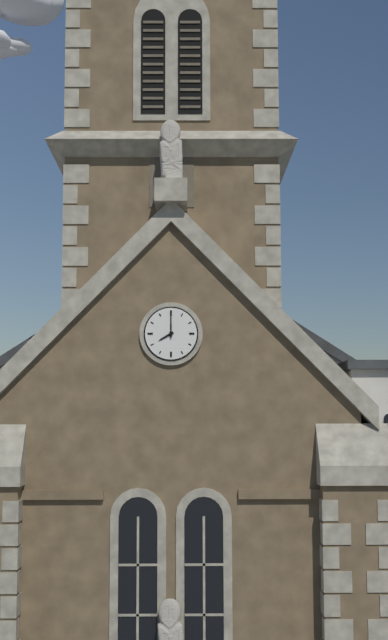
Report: {"hour": 8, "minute": 0}
